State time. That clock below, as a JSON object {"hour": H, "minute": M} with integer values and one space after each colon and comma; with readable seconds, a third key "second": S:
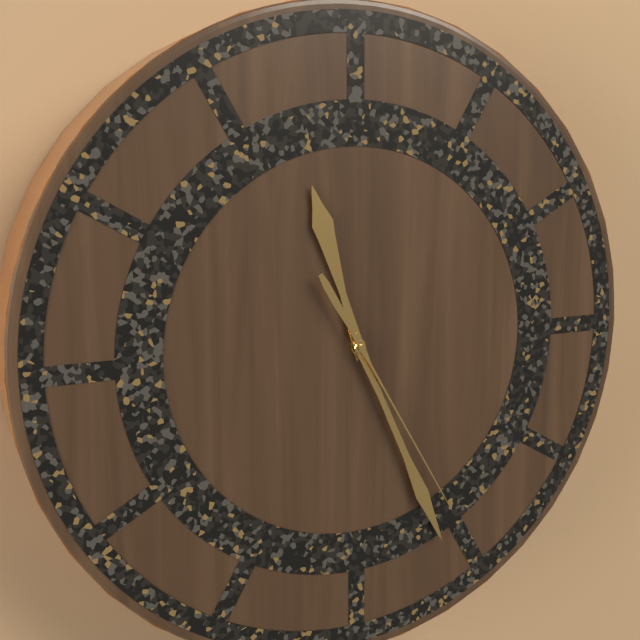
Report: {"hour": 11, "minute": 26, "second": 25}
